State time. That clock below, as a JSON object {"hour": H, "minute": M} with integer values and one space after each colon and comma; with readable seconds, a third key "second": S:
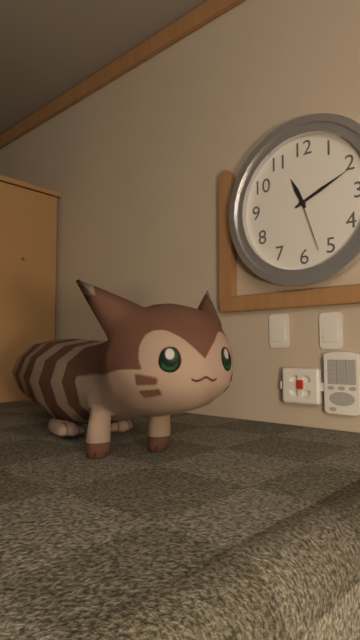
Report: {"hour": 11, "minute": 11, "second": 27}
